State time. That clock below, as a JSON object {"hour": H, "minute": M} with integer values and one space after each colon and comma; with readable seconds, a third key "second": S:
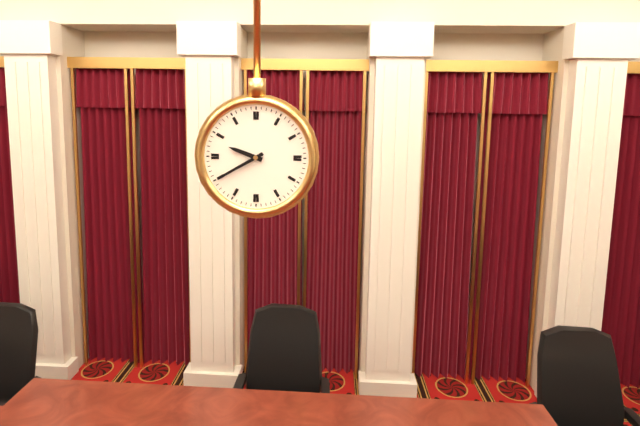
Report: {"hour": 9, "minute": 40}
